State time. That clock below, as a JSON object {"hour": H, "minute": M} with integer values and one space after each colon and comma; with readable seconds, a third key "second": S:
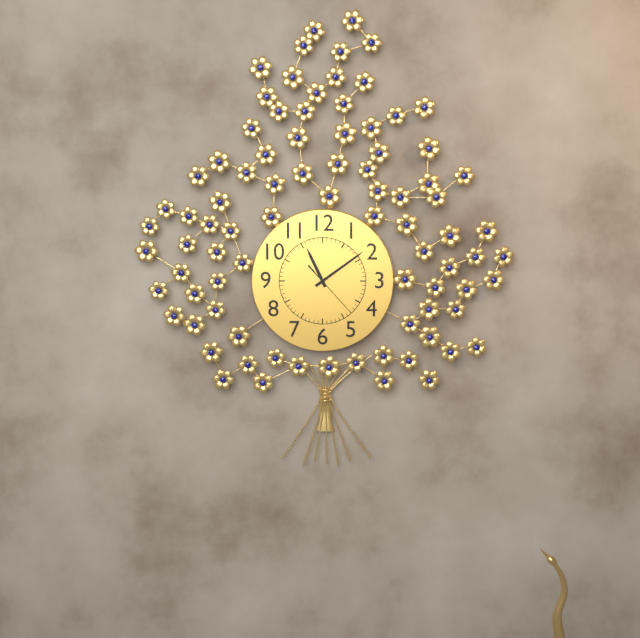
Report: {"hour": 11, "minute": 9, "second": 23}
